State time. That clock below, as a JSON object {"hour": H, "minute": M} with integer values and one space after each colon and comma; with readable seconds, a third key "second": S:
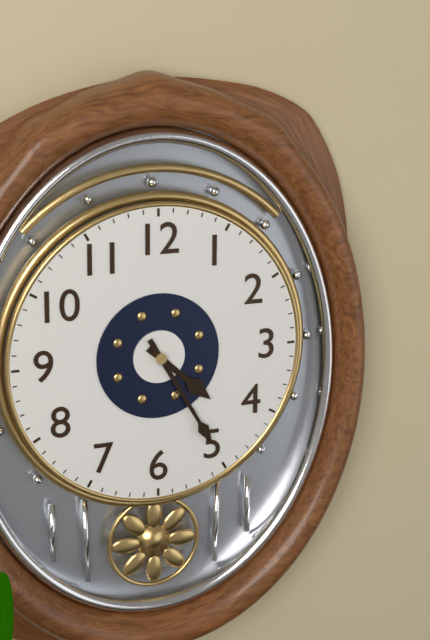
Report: {"hour": 4, "minute": 25}
